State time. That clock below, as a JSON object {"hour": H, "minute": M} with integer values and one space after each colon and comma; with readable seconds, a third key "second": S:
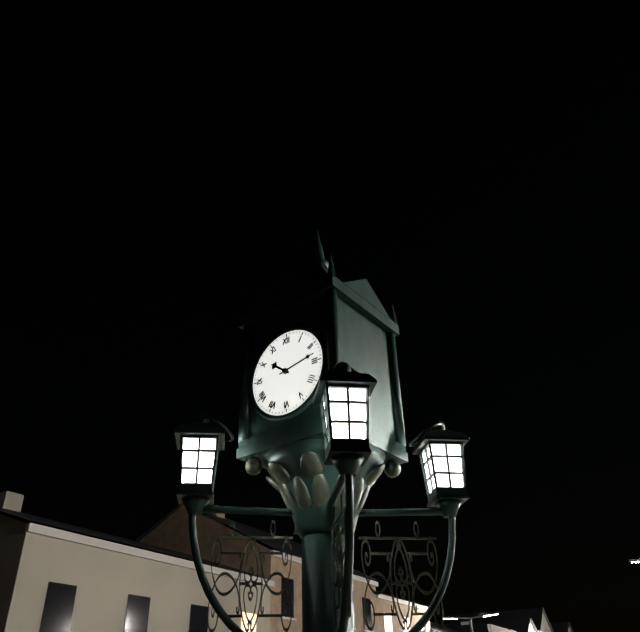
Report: {"hour": 10, "minute": 13}
